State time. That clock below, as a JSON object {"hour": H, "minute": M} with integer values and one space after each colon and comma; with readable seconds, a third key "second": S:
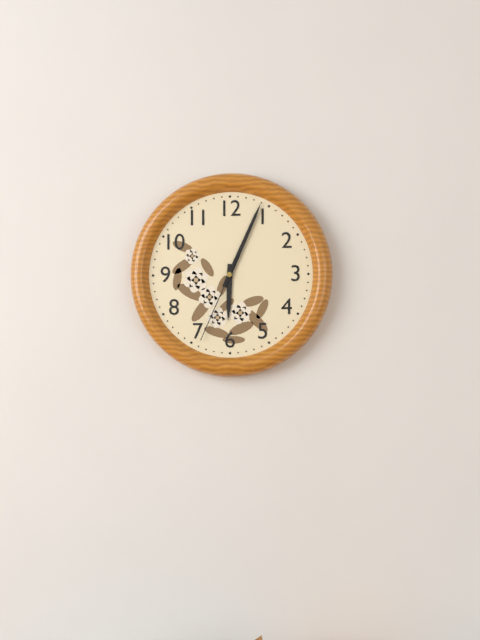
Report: {"hour": 6, "minute": 4, "second": 34}
